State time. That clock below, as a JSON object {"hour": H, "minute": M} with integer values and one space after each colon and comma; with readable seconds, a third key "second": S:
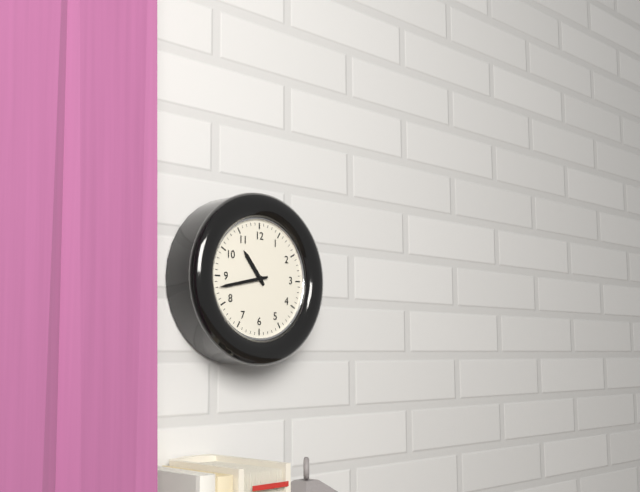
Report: {"hour": 10, "minute": 43}
